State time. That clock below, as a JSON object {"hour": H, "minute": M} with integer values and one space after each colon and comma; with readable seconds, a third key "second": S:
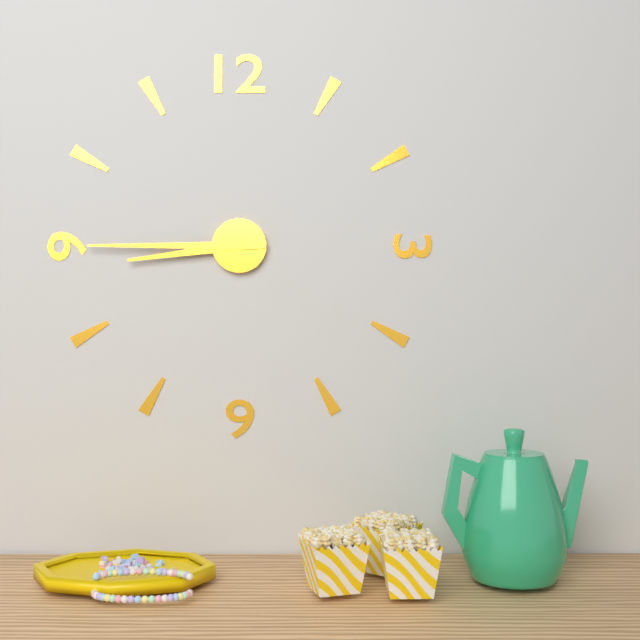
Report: {"hour": 8, "minute": 45}
